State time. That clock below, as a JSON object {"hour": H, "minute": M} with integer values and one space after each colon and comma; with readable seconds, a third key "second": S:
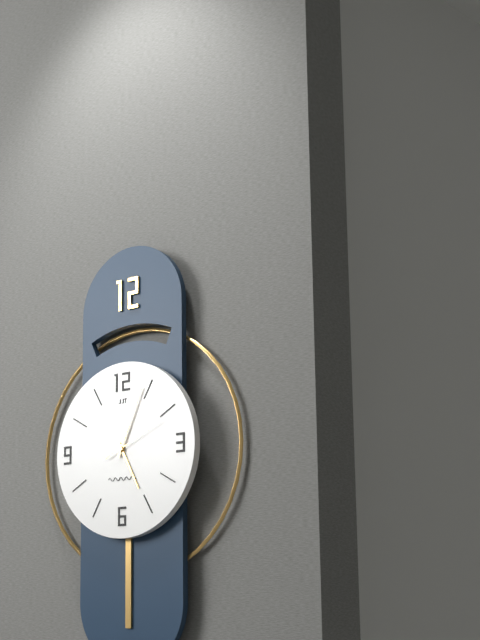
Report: {"hour": 5, "minute": 4}
